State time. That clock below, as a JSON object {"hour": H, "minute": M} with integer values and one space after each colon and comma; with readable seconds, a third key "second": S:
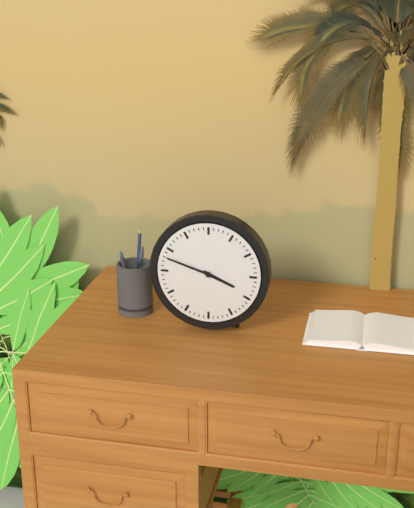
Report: {"hour": 3, "minute": 48}
